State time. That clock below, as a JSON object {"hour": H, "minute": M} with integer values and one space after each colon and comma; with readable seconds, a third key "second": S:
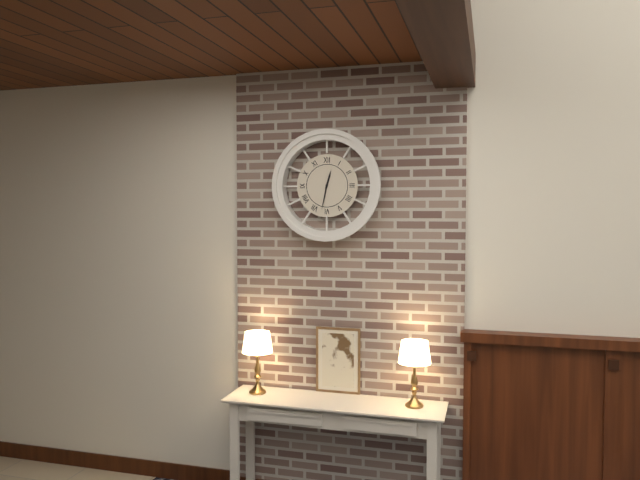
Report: {"hour": 12, "minute": 32}
